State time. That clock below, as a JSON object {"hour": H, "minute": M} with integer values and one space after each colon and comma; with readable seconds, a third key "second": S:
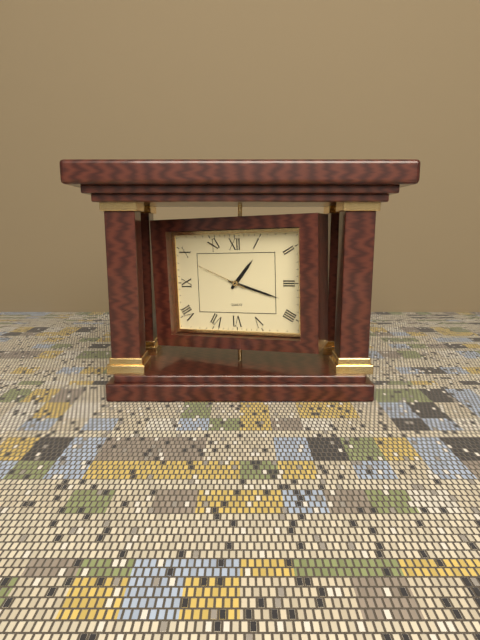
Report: {"hour": 1, "minute": 18, "second": 49}
